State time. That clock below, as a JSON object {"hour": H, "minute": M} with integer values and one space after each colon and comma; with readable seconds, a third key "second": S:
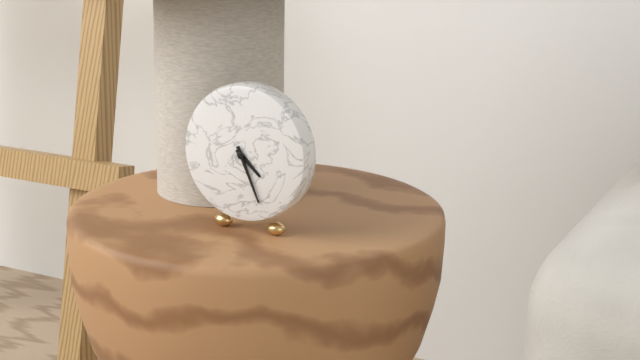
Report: {"hour": 4, "minute": 26}
